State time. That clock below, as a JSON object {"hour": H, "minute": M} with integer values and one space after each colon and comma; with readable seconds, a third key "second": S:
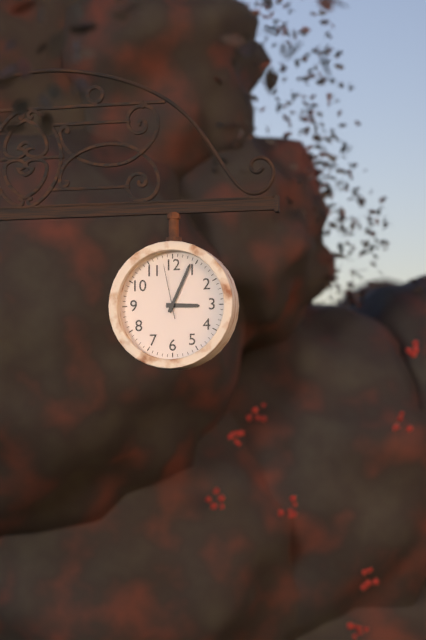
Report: {"hour": 3, "minute": 4, "second": 58}
